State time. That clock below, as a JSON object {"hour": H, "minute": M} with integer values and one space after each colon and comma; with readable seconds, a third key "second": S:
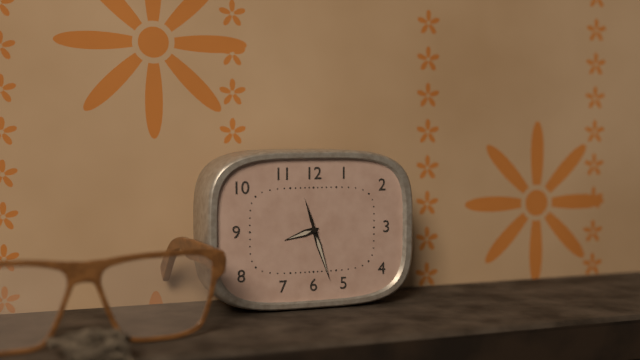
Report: {"hour": 8, "minute": 27}
